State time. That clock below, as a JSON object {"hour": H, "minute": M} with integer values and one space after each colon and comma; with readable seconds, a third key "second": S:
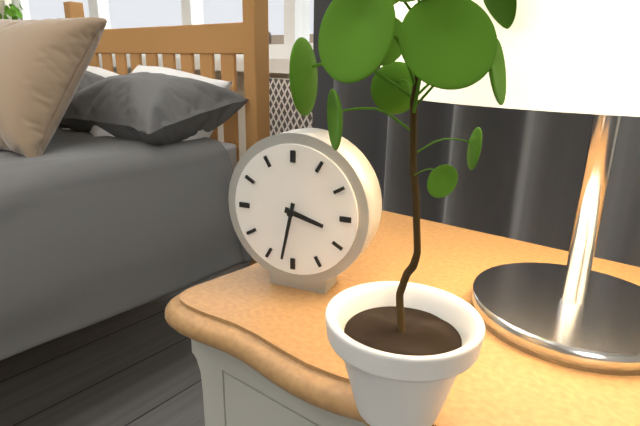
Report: {"hour": 3, "minute": 32}
